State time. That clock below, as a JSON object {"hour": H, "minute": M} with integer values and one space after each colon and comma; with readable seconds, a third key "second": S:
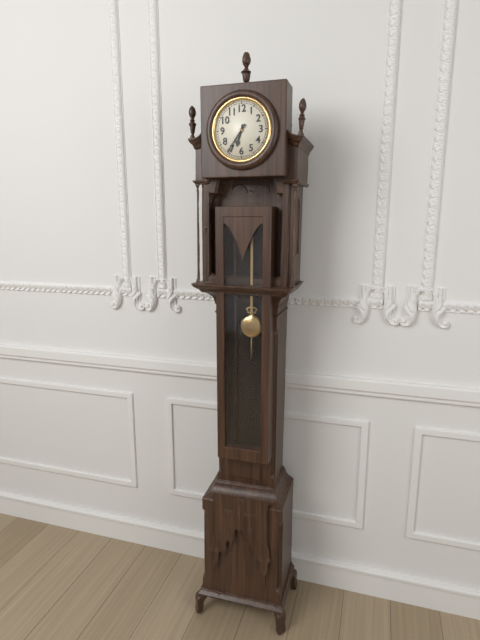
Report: {"hour": 6, "minute": 36}
